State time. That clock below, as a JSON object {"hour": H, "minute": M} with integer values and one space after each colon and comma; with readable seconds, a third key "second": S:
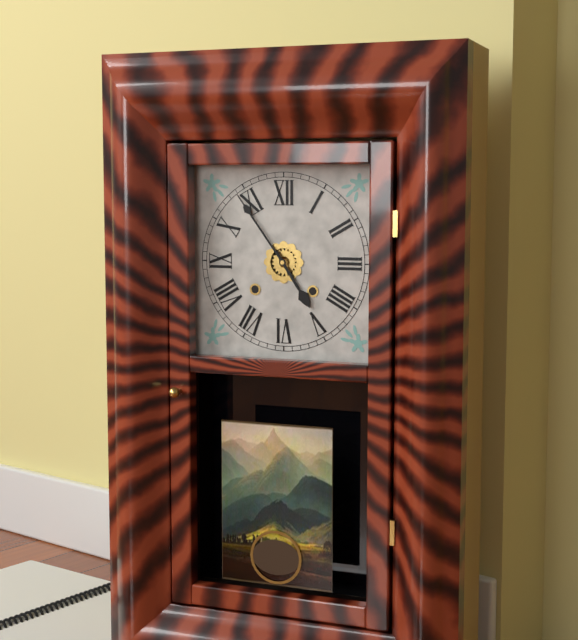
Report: {"hour": 4, "minute": 54}
